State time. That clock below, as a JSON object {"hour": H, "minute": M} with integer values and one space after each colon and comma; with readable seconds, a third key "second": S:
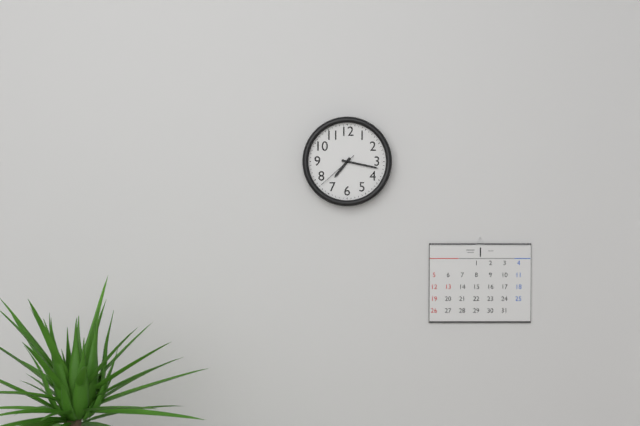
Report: {"hour": 7, "minute": 17}
